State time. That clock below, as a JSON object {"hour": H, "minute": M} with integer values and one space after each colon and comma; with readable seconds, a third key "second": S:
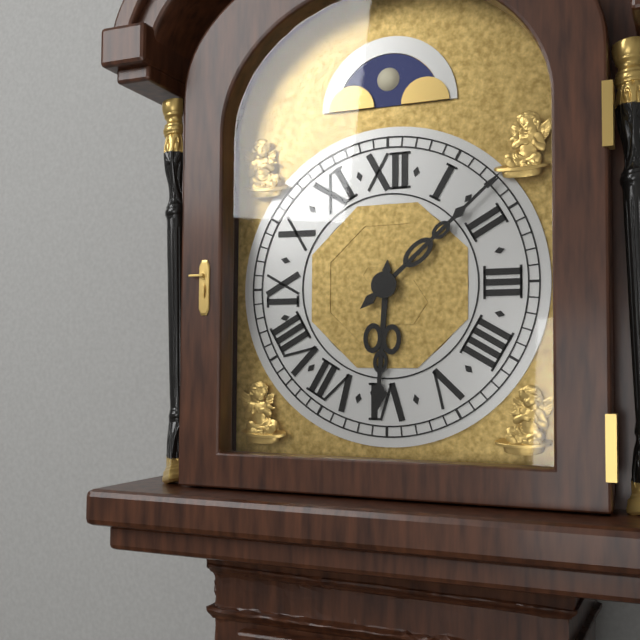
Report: {"hour": 6, "minute": 8}
